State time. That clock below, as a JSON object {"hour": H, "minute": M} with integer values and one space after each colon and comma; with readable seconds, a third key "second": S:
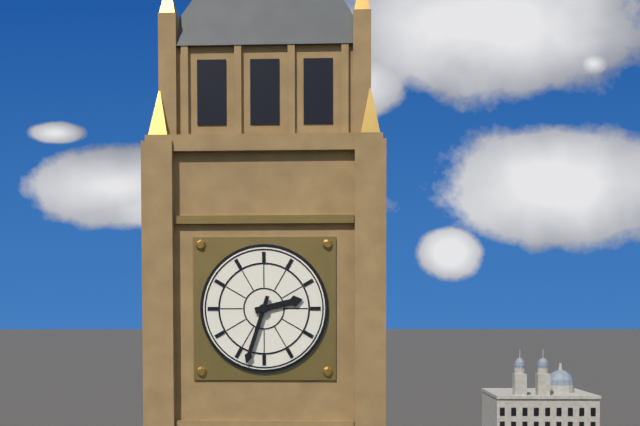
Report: {"hour": 2, "minute": 33}
